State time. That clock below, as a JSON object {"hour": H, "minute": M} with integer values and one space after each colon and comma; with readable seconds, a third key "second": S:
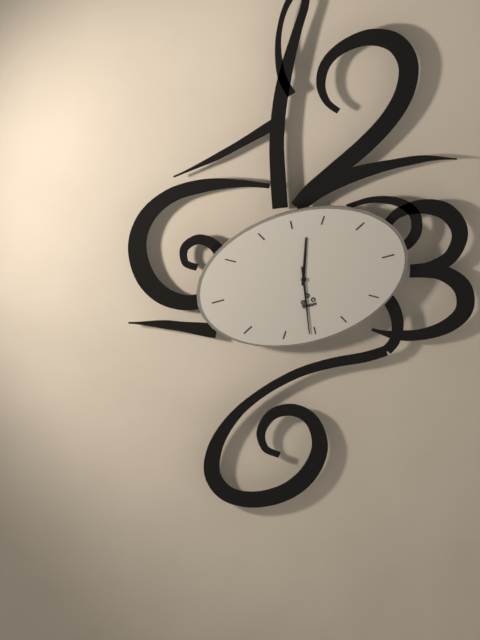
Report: {"hour": 12, "minute": 31}
